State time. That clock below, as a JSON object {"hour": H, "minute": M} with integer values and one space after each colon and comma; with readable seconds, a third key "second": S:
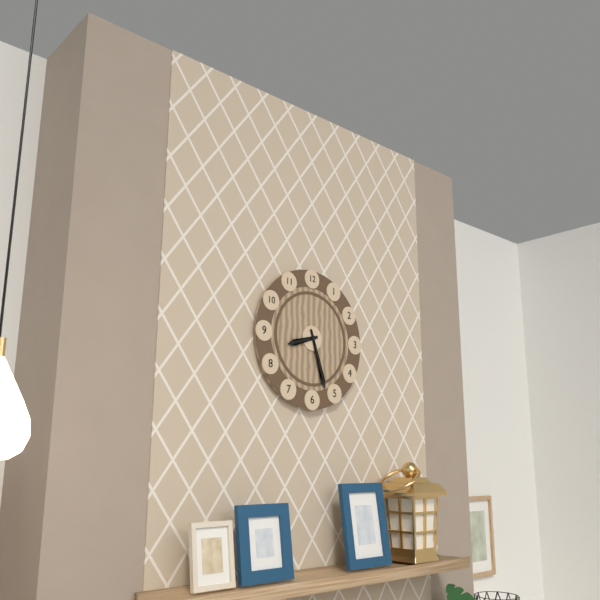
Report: {"hour": 8, "minute": 27}
